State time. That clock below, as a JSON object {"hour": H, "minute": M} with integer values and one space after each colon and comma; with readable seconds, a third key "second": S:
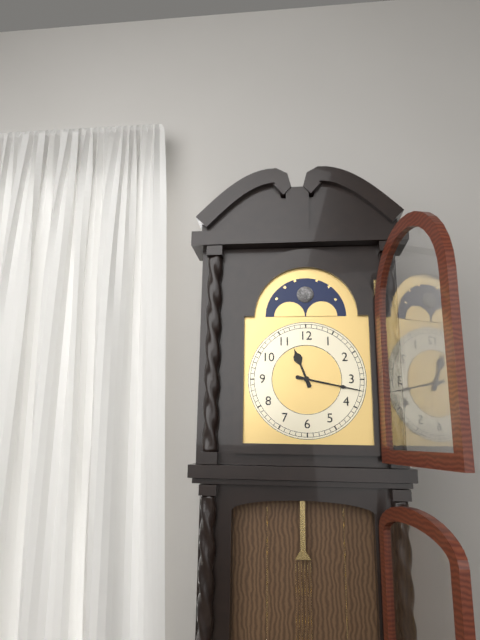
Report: {"hour": 11, "minute": 17}
